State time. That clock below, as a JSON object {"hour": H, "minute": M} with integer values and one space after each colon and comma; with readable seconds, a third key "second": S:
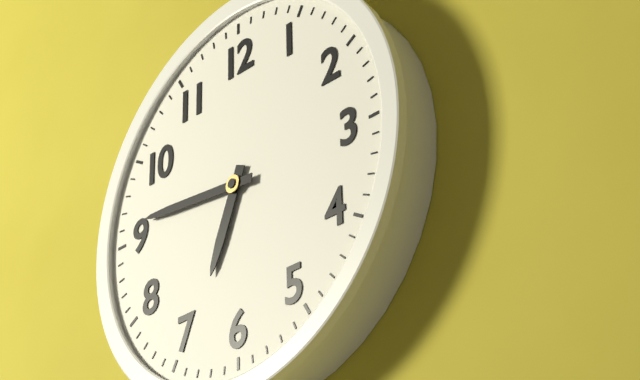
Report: {"hour": 6, "minute": 46}
